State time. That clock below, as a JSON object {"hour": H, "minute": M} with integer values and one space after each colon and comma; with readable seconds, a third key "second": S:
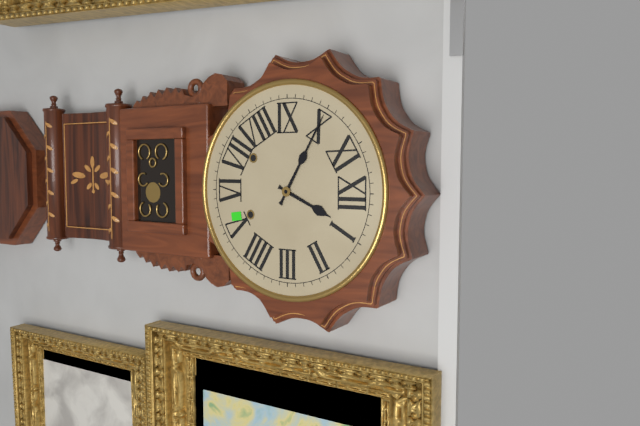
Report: {"hour": 12, "minute": 50}
